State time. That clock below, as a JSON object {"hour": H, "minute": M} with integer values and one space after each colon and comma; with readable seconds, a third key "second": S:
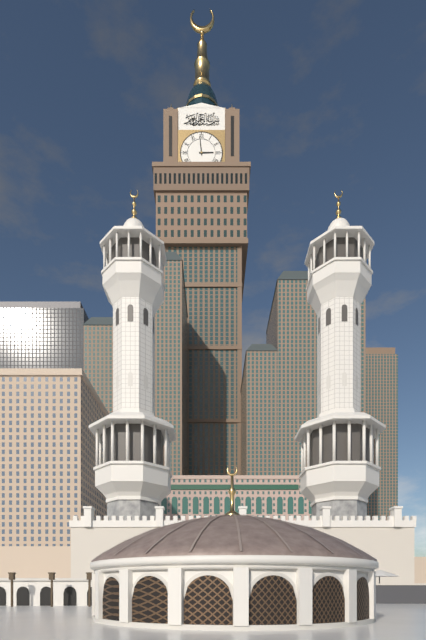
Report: {"hour": 2, "minute": 59}
